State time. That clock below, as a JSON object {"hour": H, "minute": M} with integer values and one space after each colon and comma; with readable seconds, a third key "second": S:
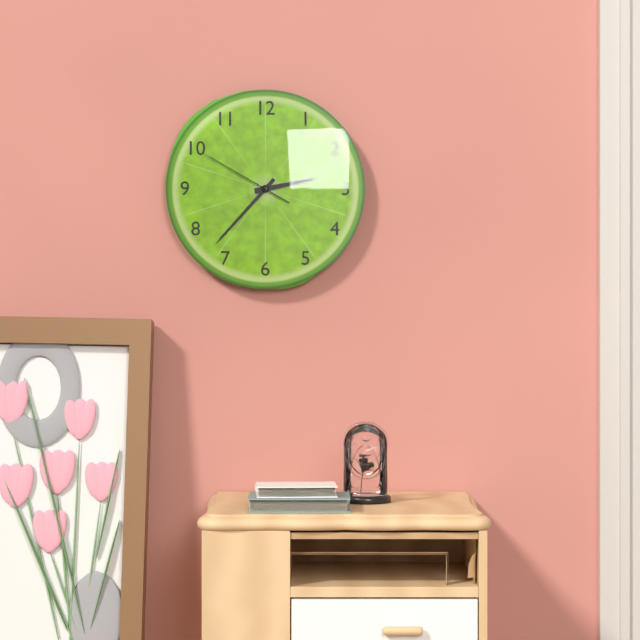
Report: {"hour": 2, "minute": 37, "second": 50}
